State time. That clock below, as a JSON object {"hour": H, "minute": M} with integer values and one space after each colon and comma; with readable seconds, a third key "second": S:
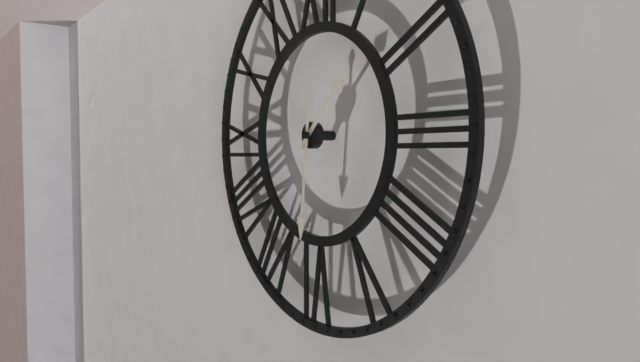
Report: {"hour": 1, "minute": 31}
